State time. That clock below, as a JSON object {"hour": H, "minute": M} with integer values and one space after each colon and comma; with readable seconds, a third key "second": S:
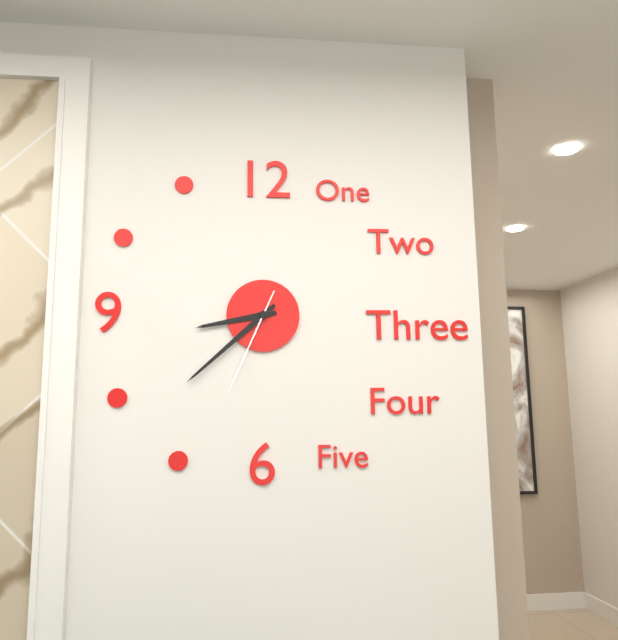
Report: {"hour": 8, "minute": 38, "second": 34}
